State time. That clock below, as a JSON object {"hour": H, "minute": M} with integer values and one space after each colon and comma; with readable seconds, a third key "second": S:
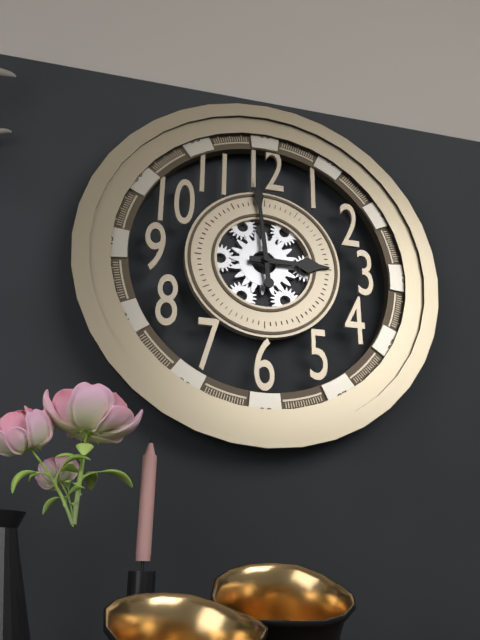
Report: {"hour": 2, "minute": 59}
